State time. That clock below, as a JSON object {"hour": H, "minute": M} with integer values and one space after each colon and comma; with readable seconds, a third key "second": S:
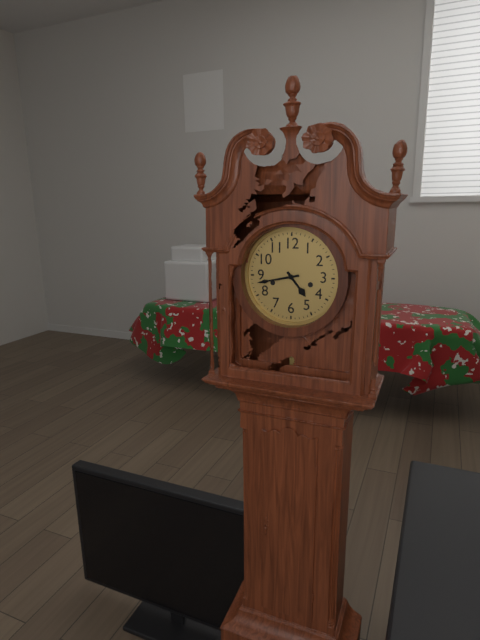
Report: {"hour": 4, "minute": 43}
